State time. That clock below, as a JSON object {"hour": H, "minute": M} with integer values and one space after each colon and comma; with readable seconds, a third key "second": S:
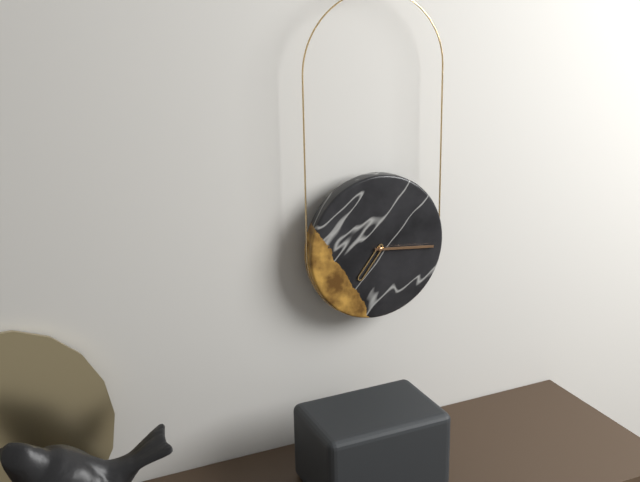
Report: {"hour": 7, "minute": 16}
